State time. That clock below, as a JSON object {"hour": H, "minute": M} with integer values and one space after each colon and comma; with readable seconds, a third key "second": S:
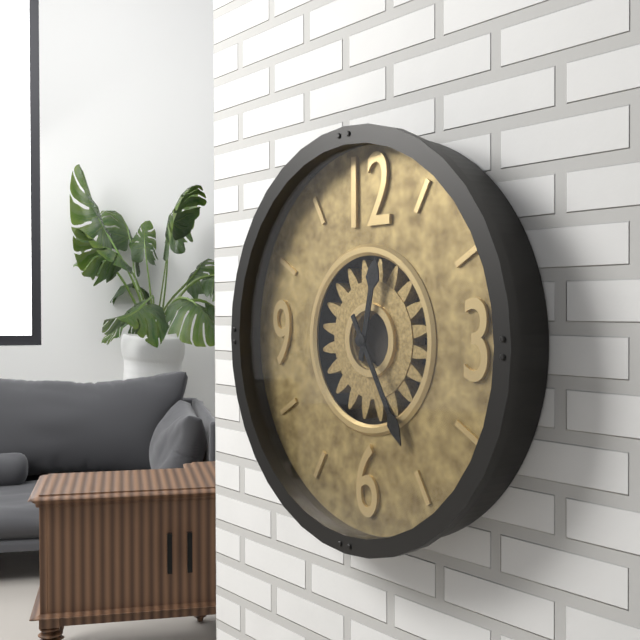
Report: {"hour": 12, "minute": 25}
